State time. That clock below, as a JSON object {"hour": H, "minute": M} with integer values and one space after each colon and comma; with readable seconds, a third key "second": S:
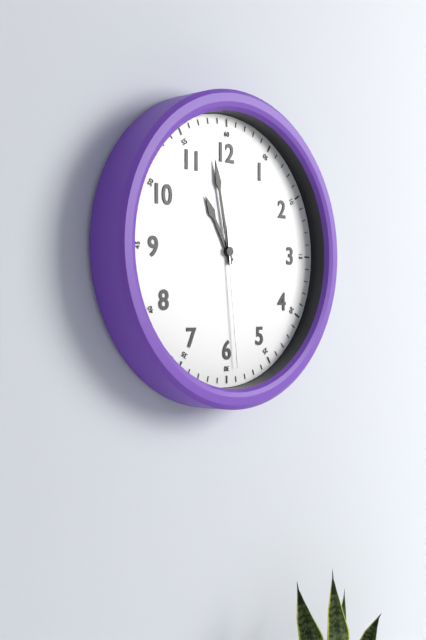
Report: {"hour": 10, "minute": 58, "second": 29}
